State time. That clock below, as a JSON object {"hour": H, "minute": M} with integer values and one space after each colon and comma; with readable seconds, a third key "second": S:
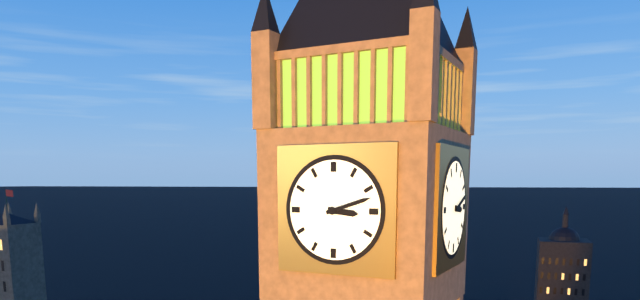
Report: {"hour": 3, "minute": 12}
